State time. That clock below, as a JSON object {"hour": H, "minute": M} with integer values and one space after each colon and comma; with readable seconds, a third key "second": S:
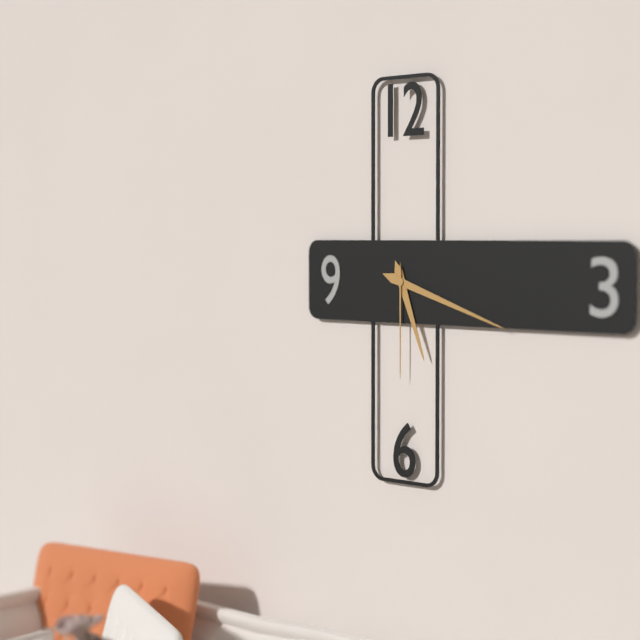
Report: {"hour": 5, "minute": 18, "second": 30}
